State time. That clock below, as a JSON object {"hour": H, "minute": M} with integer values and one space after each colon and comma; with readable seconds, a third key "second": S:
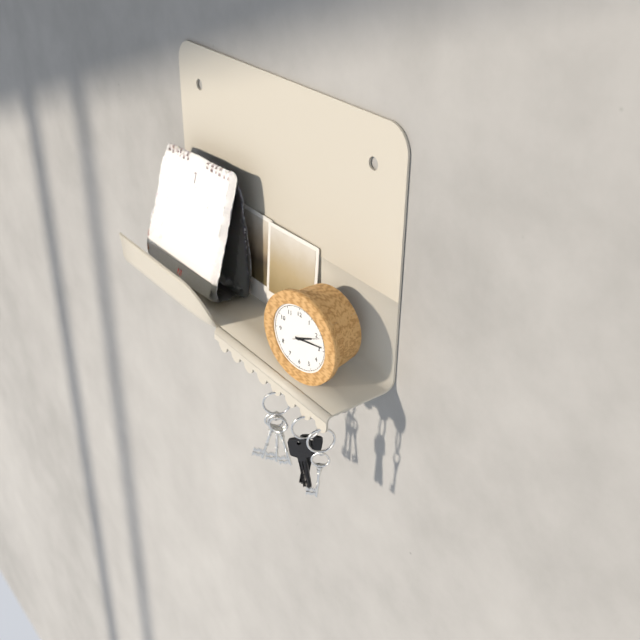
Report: {"hour": 2, "minute": 14}
